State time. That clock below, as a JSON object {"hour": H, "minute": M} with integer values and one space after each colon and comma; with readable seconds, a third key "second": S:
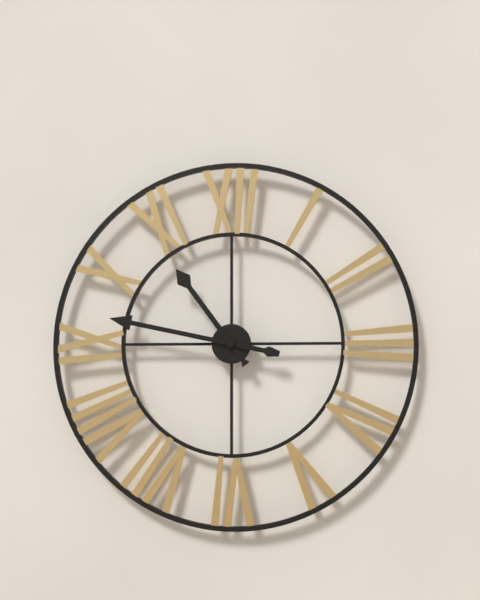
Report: {"hour": 10, "minute": 47}
